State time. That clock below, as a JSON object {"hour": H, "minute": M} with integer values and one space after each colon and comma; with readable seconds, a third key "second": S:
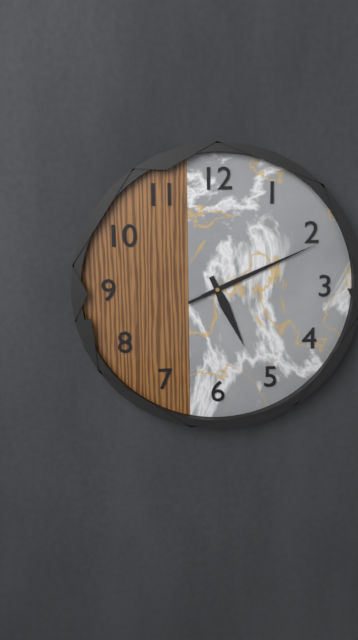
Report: {"hour": 5, "minute": 11, "second": 11}
